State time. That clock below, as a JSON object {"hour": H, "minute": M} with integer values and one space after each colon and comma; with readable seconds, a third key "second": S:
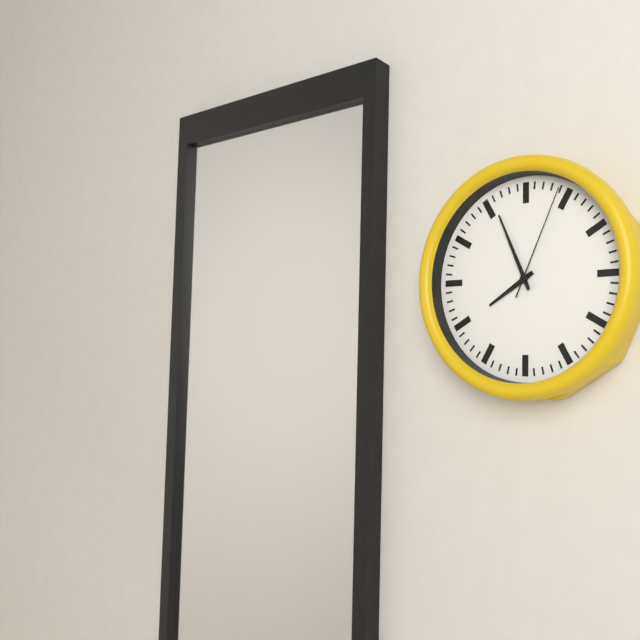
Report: {"hour": 7, "minute": 56, "second": 4}
